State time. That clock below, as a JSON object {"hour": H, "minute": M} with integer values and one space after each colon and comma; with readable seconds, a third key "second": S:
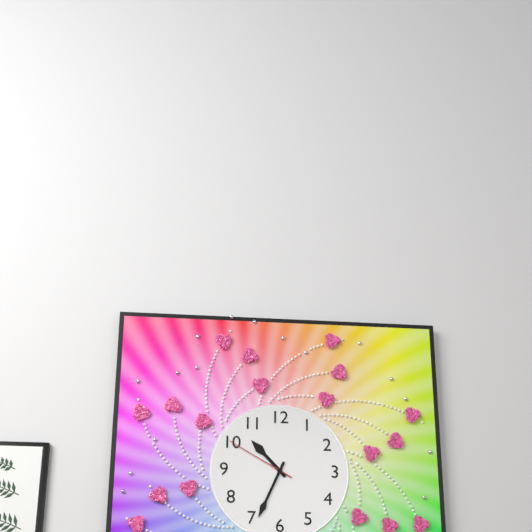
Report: {"hour": 10, "minute": 34, "second": 50}
